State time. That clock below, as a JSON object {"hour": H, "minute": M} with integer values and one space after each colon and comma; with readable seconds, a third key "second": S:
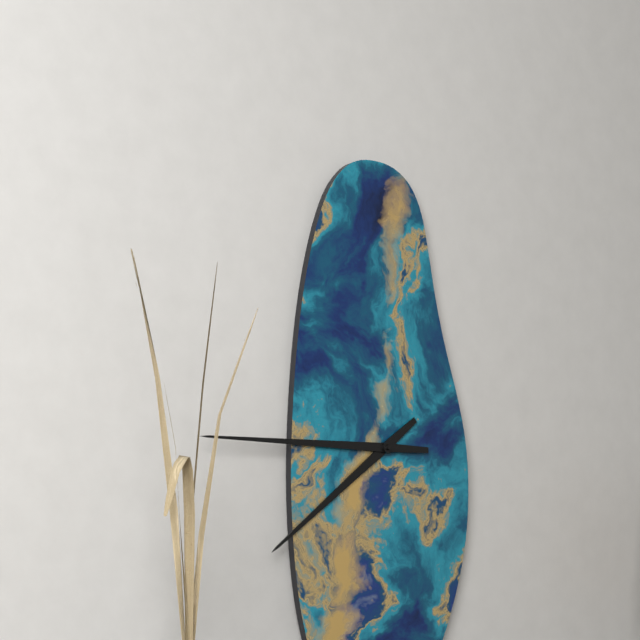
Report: {"hour": 7, "minute": 45}
